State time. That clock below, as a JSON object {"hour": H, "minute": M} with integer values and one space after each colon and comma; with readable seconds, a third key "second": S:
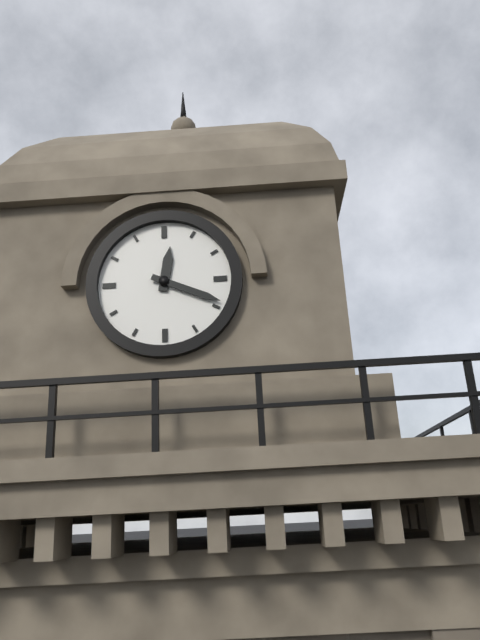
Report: {"hour": 12, "minute": 19}
